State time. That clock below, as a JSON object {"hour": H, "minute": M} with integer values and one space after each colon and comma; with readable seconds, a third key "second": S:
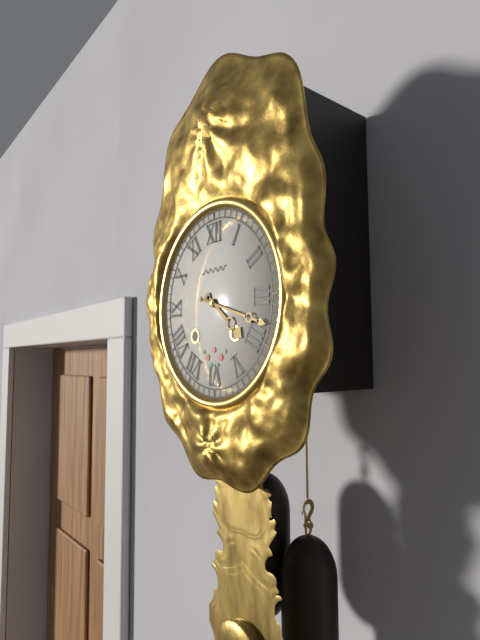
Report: {"hour": 4, "minute": 18}
